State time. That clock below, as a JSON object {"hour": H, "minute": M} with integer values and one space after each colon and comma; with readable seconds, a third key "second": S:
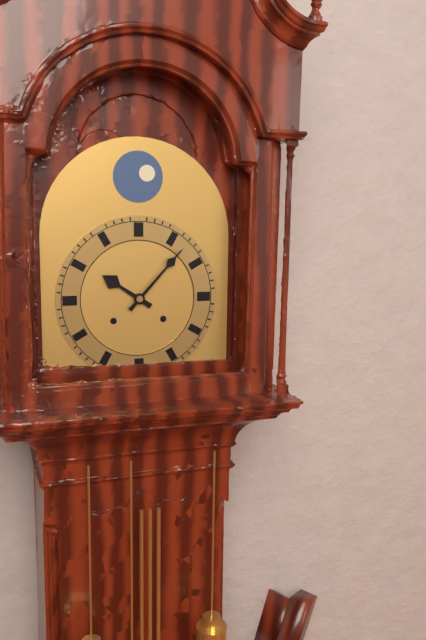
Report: {"hour": 10, "minute": 7}
